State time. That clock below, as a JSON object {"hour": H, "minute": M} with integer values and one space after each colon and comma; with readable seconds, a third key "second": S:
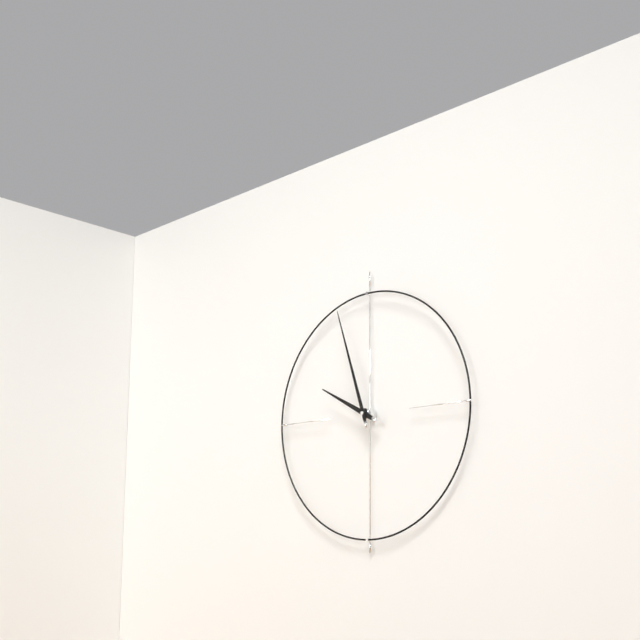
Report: {"hour": 9, "minute": 57}
